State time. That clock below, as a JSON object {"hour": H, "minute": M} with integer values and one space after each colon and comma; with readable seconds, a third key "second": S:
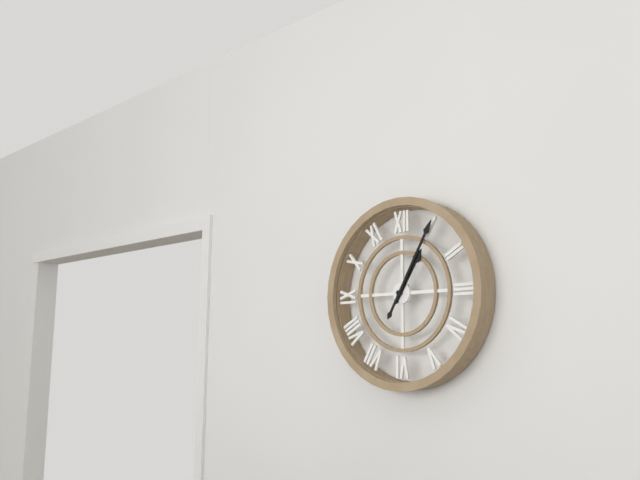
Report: {"hour": 1, "minute": 5}
